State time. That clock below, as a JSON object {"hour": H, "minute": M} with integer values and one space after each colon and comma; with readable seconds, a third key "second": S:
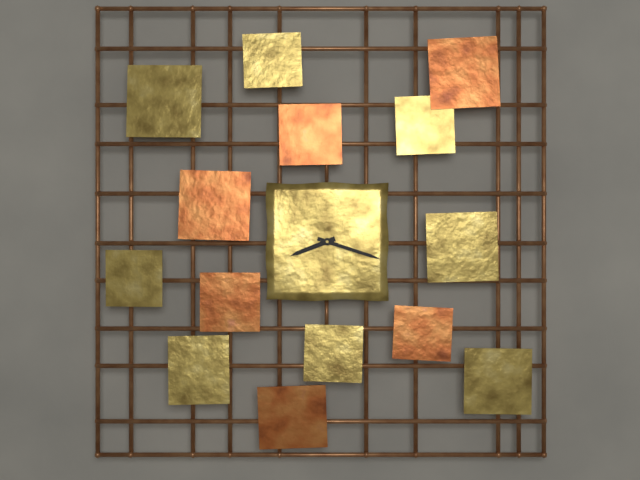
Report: {"hour": 8, "minute": 18}
